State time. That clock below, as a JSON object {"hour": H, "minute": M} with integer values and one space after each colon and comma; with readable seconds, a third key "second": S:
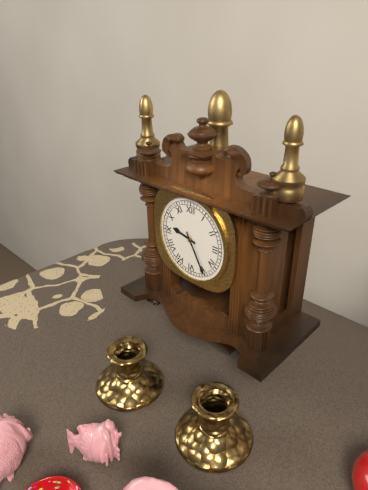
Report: {"hour": 9, "minute": 25}
